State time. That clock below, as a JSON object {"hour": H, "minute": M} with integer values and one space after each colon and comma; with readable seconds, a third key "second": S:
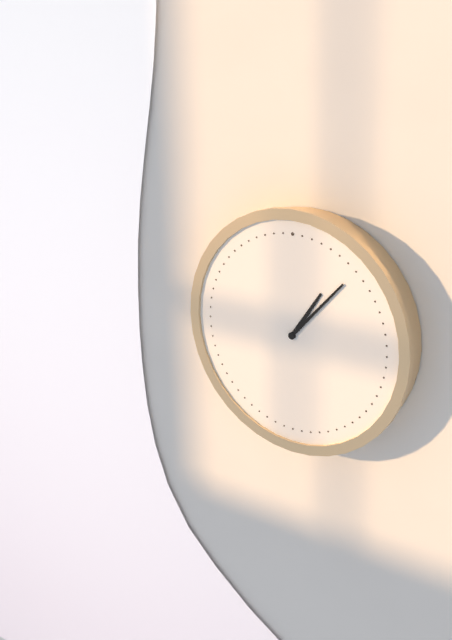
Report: {"hour": 1, "minute": 7}
